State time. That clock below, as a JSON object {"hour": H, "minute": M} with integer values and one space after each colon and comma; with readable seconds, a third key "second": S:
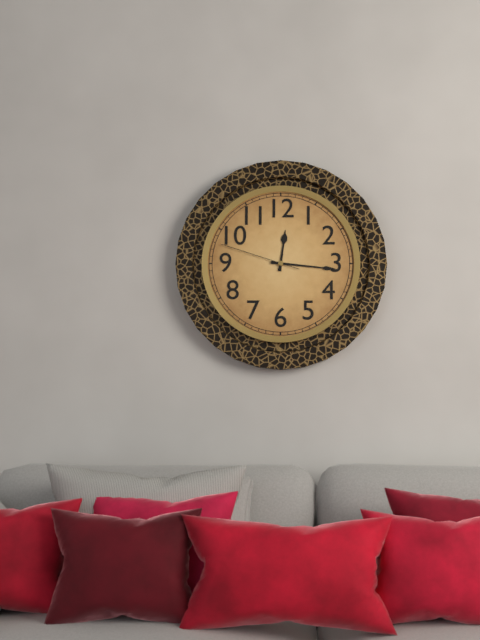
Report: {"hour": 12, "minute": 16, "second": 48}
